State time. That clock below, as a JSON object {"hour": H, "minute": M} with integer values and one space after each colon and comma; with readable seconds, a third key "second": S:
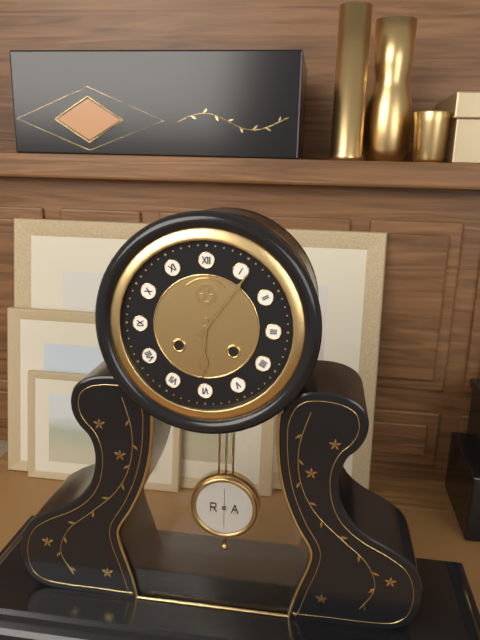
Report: {"hour": 6, "minute": 6}
